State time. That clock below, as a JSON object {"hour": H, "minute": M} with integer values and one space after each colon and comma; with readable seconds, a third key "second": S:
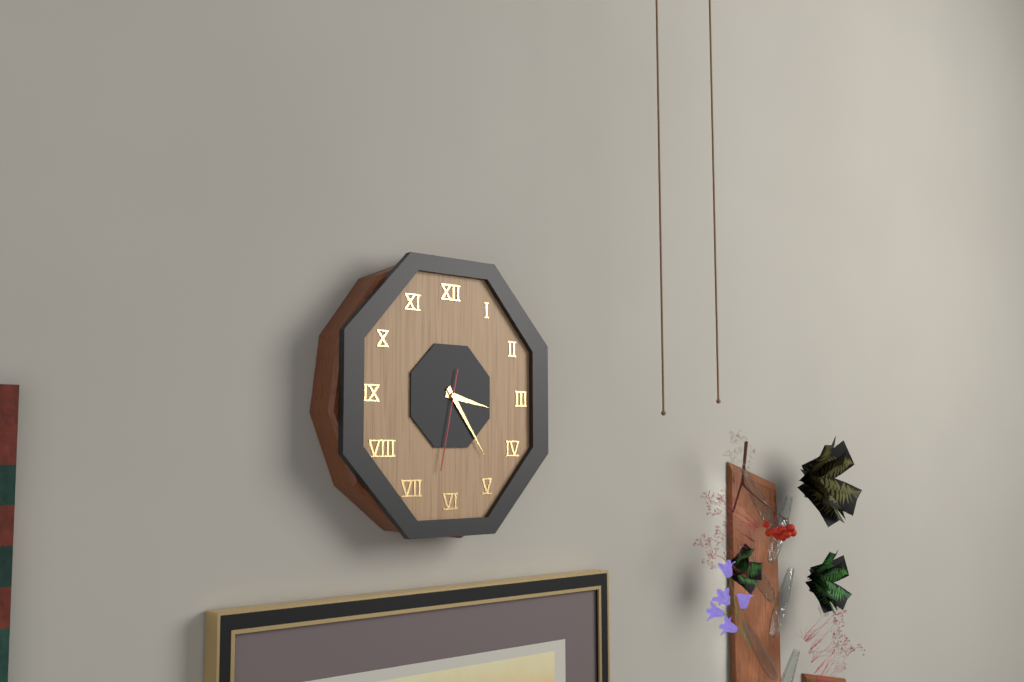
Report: {"hour": 3, "minute": 24, "second": 32}
